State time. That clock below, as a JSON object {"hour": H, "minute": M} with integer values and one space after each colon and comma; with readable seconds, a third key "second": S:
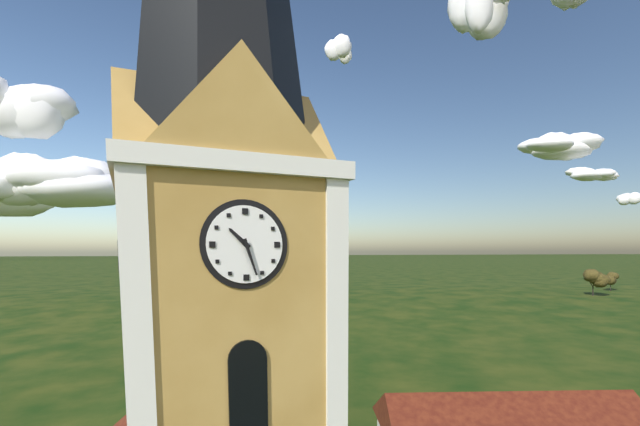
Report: {"hour": 10, "minute": 27}
